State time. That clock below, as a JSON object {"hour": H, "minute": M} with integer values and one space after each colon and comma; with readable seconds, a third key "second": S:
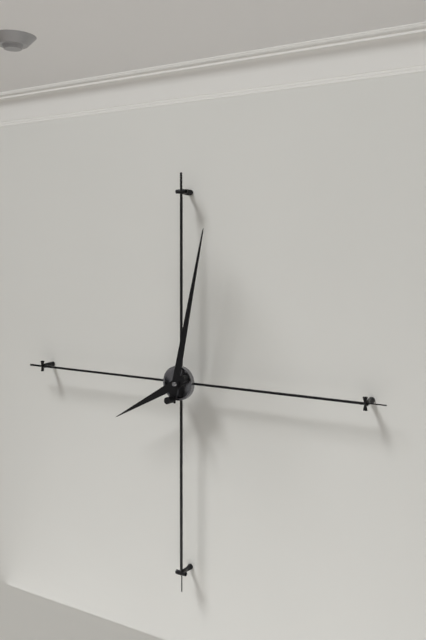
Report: {"hour": 8, "minute": 2}
